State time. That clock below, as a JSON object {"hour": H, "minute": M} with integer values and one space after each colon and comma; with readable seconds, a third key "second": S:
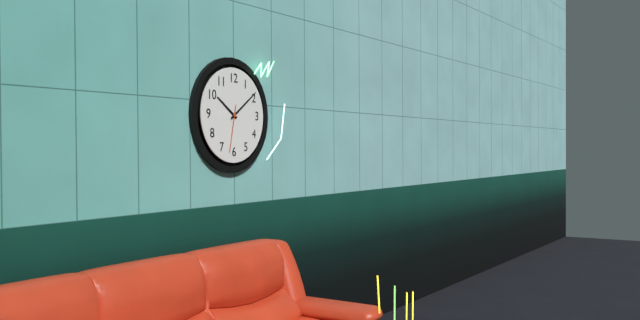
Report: {"hour": 10, "minute": 9}
